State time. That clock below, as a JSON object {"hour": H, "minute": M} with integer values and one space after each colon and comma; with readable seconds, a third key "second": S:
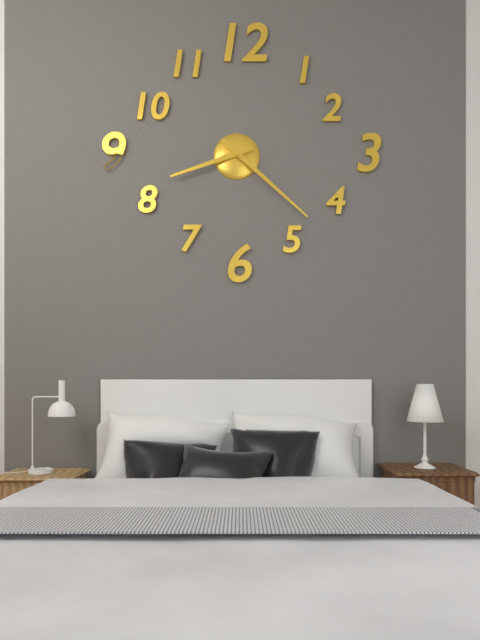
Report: {"hour": 8, "minute": 22}
